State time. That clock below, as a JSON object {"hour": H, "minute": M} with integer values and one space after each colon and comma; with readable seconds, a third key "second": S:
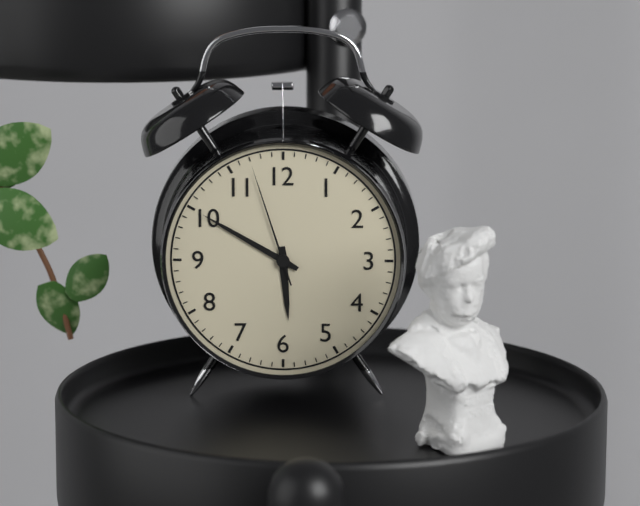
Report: {"hour": 5, "minute": 50, "second": 57}
